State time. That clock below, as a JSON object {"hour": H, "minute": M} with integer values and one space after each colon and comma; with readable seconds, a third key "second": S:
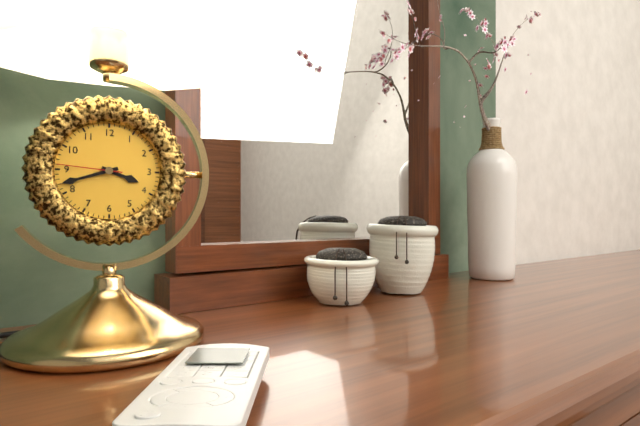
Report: {"hour": 3, "minute": 42, "second": 46}
